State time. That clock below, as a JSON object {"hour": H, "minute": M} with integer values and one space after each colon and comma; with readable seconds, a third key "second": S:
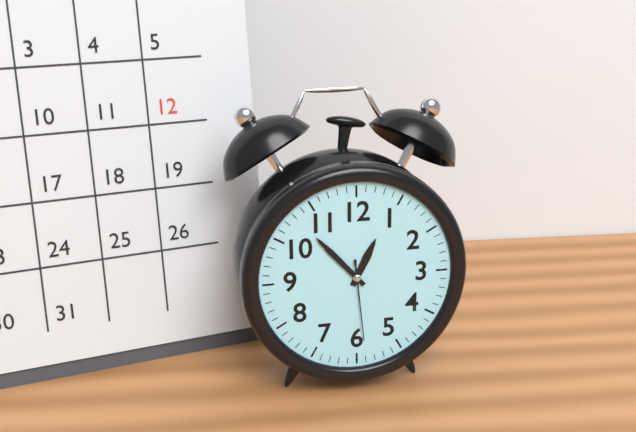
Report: {"hour": 12, "minute": 53, "second": 29}
